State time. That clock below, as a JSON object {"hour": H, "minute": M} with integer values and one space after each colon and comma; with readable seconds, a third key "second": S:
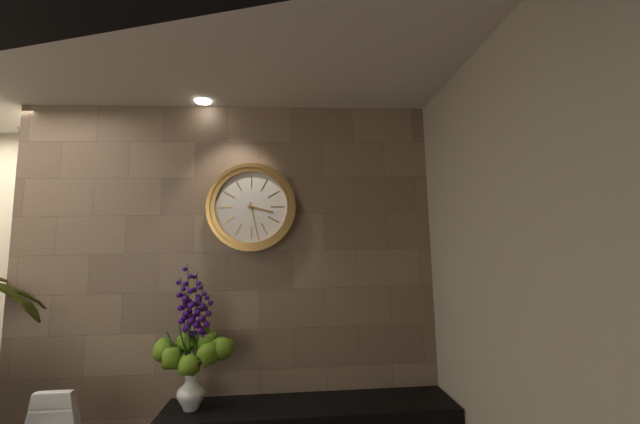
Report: {"hour": 3, "minute": 28}
